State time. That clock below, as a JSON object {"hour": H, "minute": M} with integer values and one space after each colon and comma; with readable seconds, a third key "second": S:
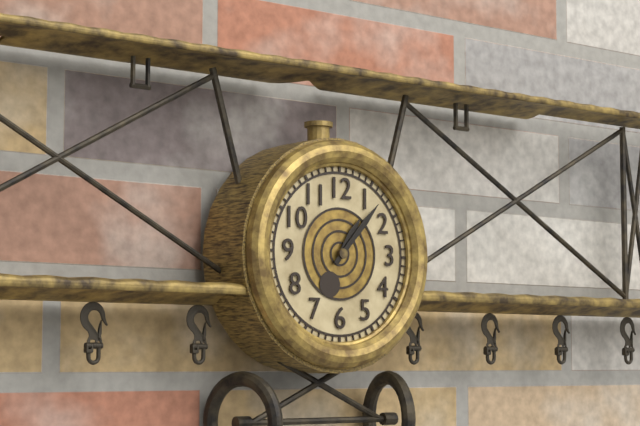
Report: {"hour": 1, "minute": 7}
